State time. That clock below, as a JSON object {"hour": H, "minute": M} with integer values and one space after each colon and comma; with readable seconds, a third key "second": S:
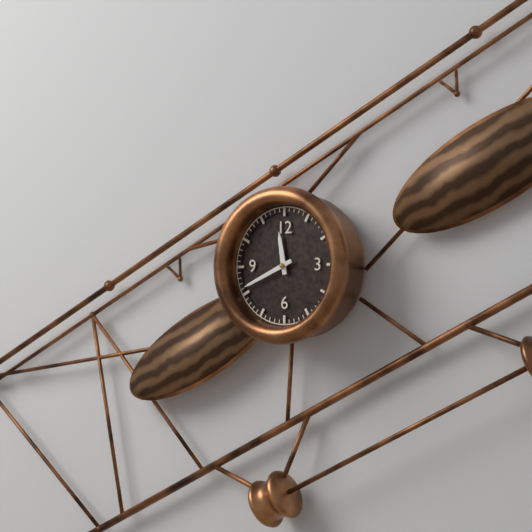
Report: {"hour": 11, "minute": 41}
